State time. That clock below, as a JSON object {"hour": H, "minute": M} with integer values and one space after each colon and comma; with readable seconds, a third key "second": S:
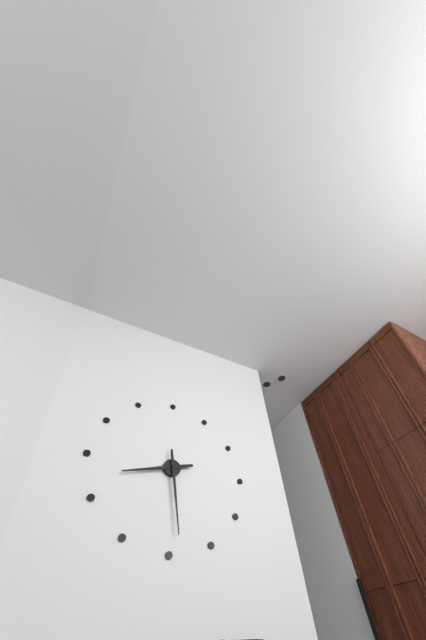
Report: {"hour": 8, "minute": 29}
